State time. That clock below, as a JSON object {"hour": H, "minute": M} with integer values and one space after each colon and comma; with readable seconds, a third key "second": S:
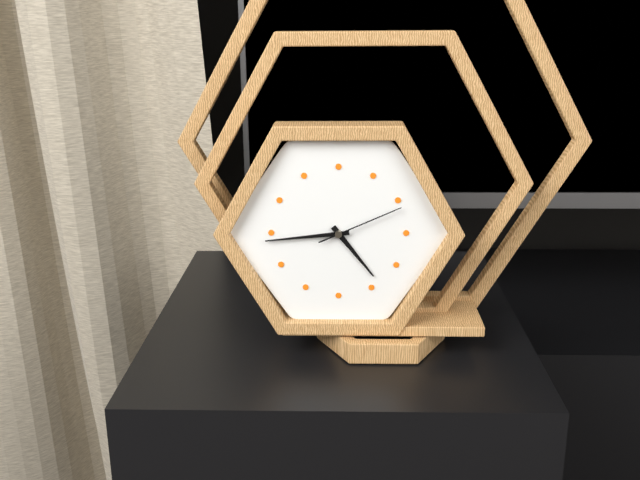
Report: {"hour": 4, "minute": 44, "second": 11}
